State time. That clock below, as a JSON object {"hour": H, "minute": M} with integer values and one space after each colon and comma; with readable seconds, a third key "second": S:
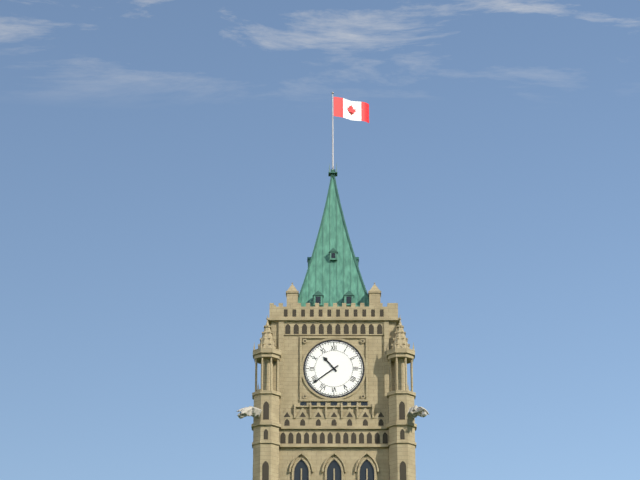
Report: {"hour": 10, "minute": 39}
